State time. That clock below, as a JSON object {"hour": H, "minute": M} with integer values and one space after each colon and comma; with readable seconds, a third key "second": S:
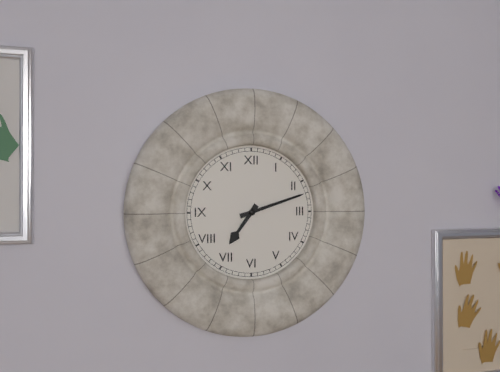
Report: {"hour": 7, "minute": 12}
